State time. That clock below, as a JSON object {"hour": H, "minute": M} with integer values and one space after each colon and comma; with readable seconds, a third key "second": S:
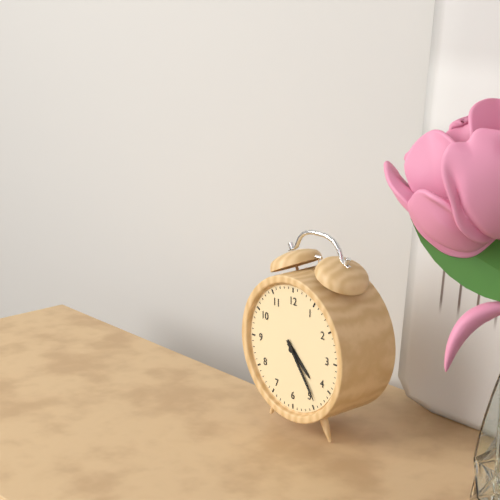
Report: {"hour": 4, "minute": 24}
